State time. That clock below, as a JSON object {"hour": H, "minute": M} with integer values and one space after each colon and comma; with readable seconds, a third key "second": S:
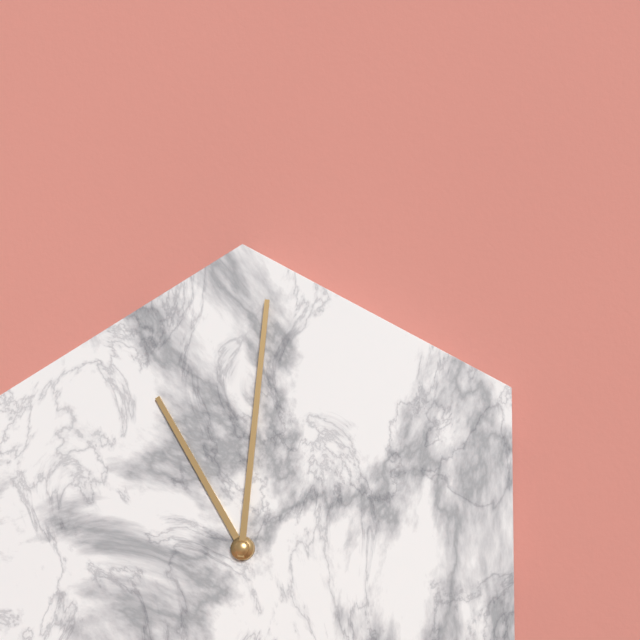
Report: {"hour": 11, "minute": 1}
